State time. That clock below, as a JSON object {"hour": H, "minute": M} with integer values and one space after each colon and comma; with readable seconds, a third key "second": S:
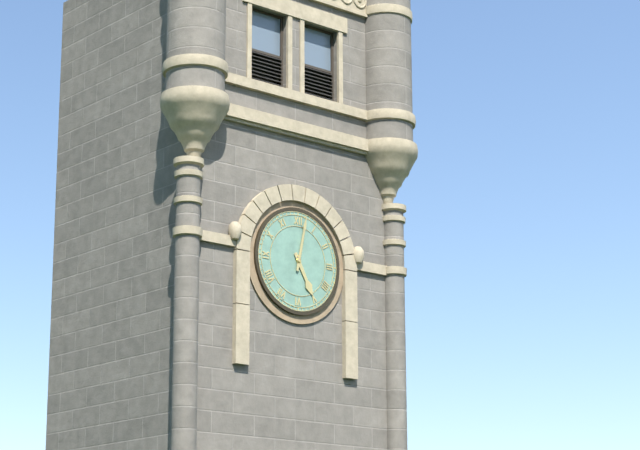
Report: {"hour": 5, "minute": 2}
